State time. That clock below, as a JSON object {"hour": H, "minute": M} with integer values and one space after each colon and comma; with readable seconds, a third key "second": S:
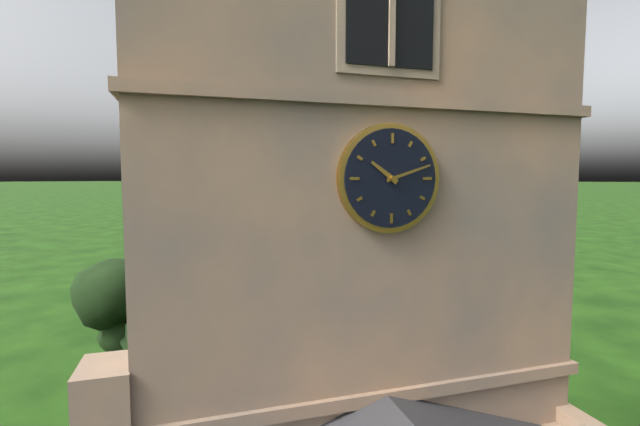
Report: {"hour": 10, "minute": 12}
